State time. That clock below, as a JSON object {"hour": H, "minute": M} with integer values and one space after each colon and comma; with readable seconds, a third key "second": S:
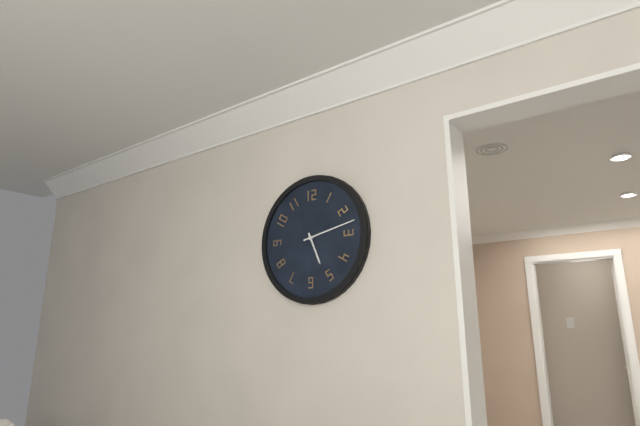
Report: {"hour": 5, "minute": 13}
